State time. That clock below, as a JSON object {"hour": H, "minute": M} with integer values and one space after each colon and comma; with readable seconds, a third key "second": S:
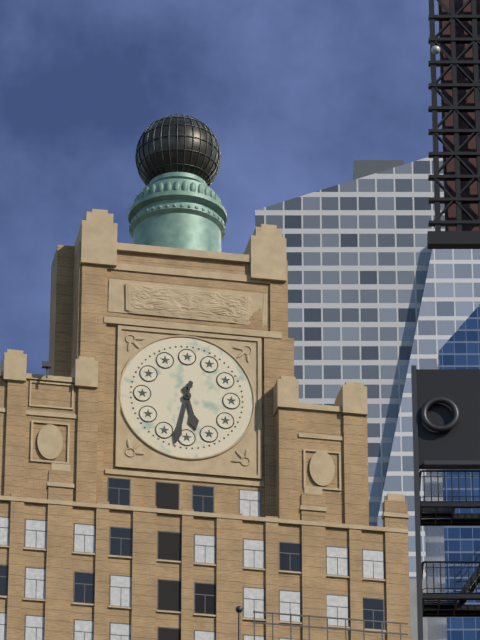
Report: {"hour": 5, "minute": 32}
